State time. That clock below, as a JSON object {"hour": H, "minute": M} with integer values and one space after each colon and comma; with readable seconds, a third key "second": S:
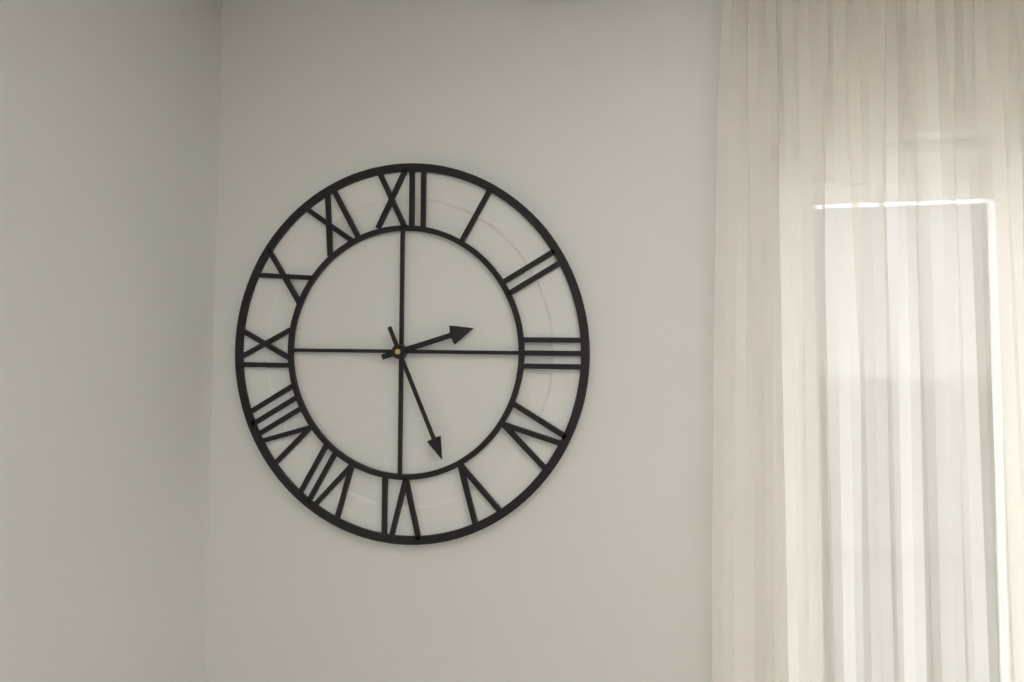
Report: {"hour": 2, "minute": 26}
